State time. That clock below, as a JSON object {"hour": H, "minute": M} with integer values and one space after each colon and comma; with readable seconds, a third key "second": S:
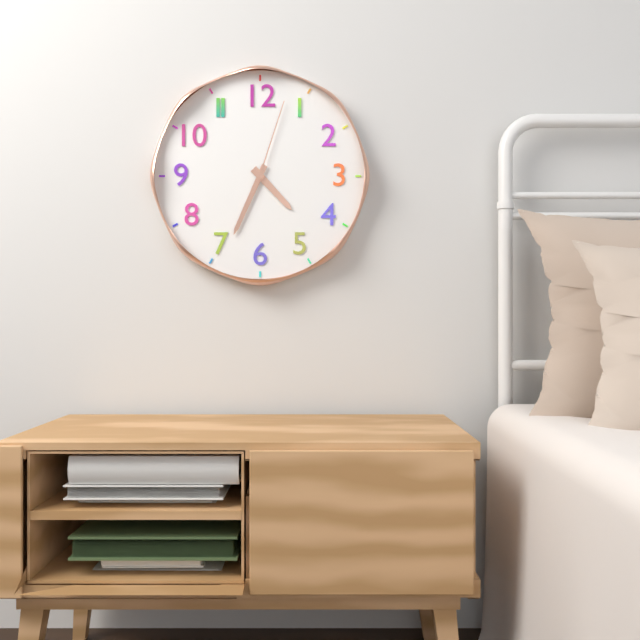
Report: {"hour": 4, "minute": 34, "second": 3}
